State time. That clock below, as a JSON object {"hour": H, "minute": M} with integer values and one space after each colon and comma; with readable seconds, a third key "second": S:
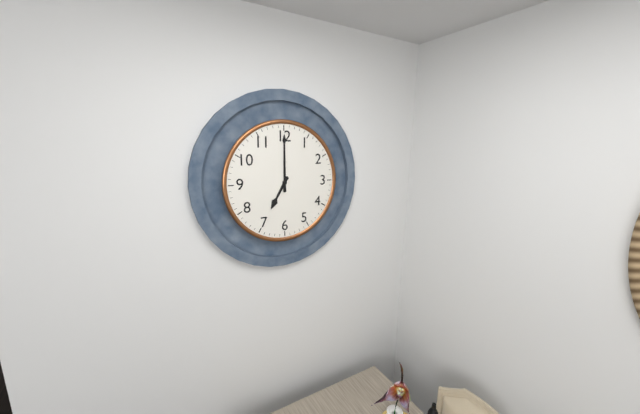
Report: {"hour": 7, "minute": 0}
